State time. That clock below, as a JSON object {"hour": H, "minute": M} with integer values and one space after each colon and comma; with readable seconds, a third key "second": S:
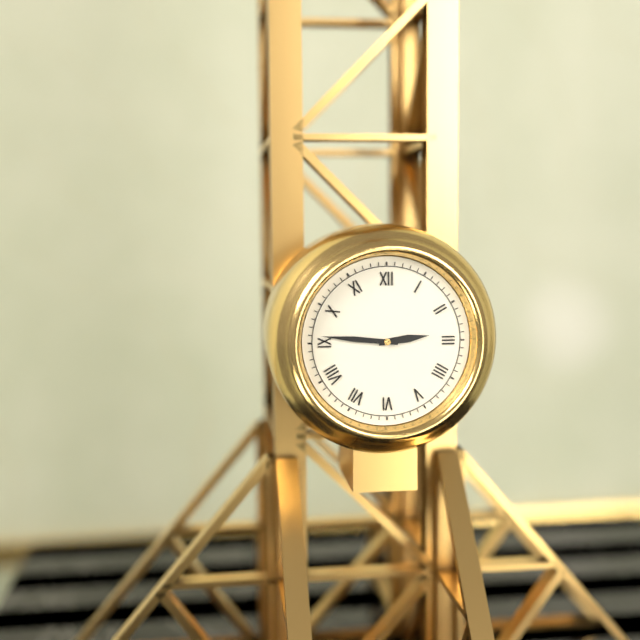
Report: {"hour": 2, "minute": 46}
